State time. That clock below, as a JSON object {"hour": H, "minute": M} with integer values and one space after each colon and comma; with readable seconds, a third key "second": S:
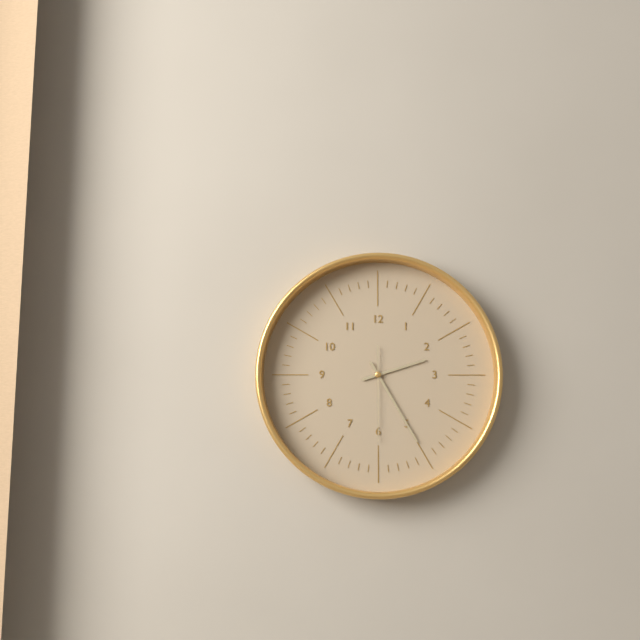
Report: {"hour": 2, "minute": 25, "second": 30}
